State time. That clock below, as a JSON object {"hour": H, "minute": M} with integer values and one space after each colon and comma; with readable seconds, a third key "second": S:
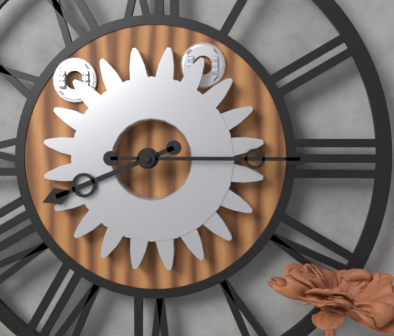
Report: {"hour": 8, "minute": 15}
